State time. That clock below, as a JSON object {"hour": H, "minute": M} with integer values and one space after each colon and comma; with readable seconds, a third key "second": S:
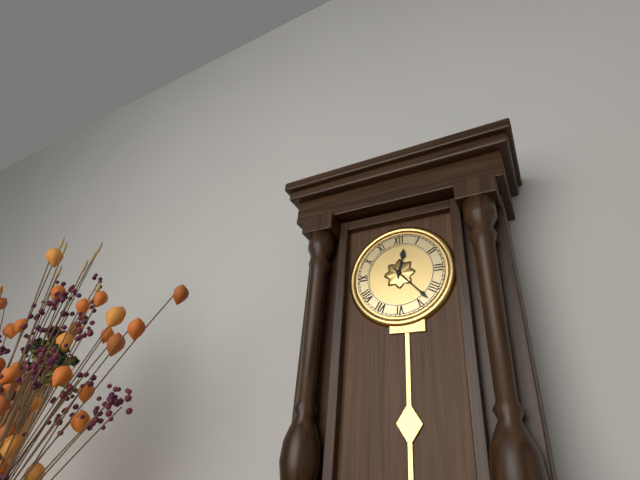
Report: {"hour": 12, "minute": 23}
